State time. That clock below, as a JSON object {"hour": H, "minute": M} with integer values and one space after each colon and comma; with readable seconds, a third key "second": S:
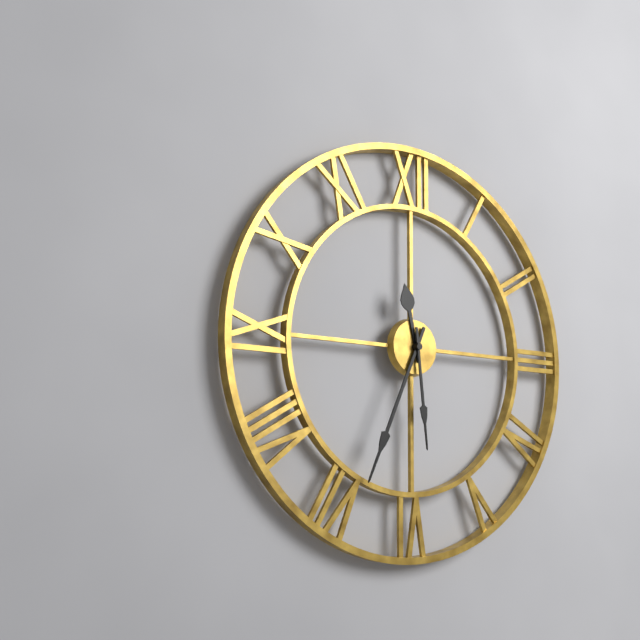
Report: {"hour": 11, "minute": 34, "second": 29}
